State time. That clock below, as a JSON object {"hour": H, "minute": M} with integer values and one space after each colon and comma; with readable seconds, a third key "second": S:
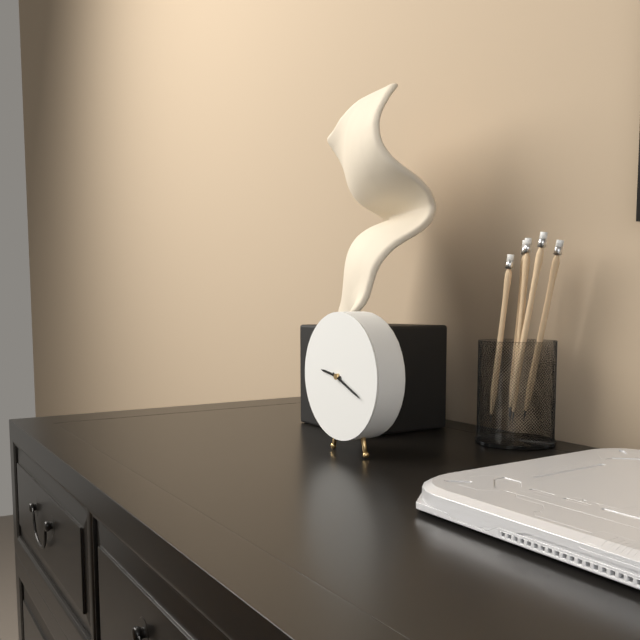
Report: {"hour": 9, "minute": 19}
